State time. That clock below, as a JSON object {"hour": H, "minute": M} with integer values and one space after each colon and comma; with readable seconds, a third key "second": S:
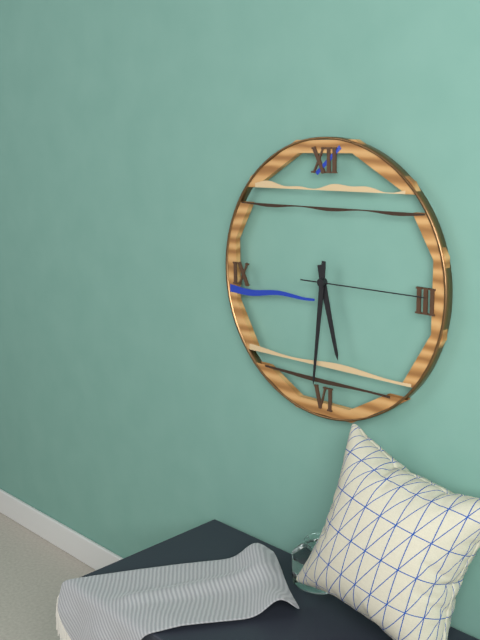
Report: {"hour": 5, "minute": 31, "second": 15}
